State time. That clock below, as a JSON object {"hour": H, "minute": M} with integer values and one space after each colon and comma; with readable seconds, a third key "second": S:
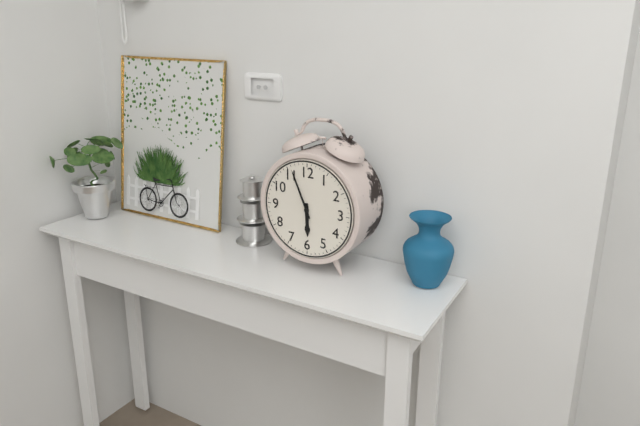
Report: {"hour": 5, "minute": 56}
